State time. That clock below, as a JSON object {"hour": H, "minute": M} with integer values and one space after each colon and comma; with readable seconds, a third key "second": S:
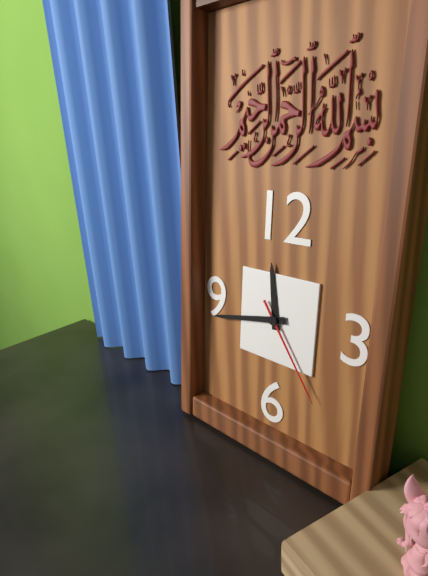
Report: {"hour": 11, "minute": 43, "second": 24}
